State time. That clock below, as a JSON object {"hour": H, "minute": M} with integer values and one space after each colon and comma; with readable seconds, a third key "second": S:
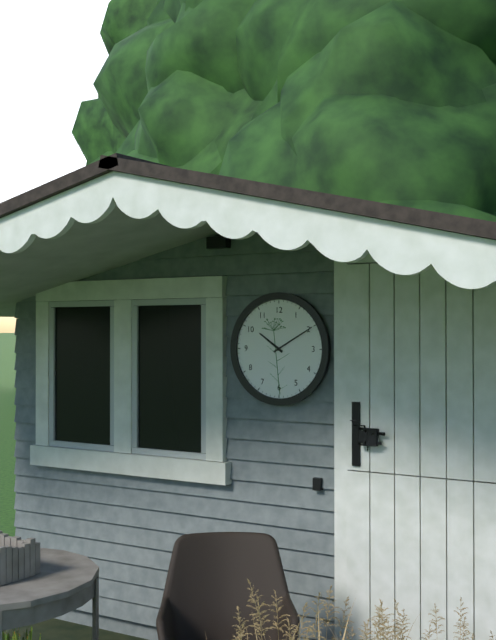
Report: {"hour": 10, "minute": 10}
